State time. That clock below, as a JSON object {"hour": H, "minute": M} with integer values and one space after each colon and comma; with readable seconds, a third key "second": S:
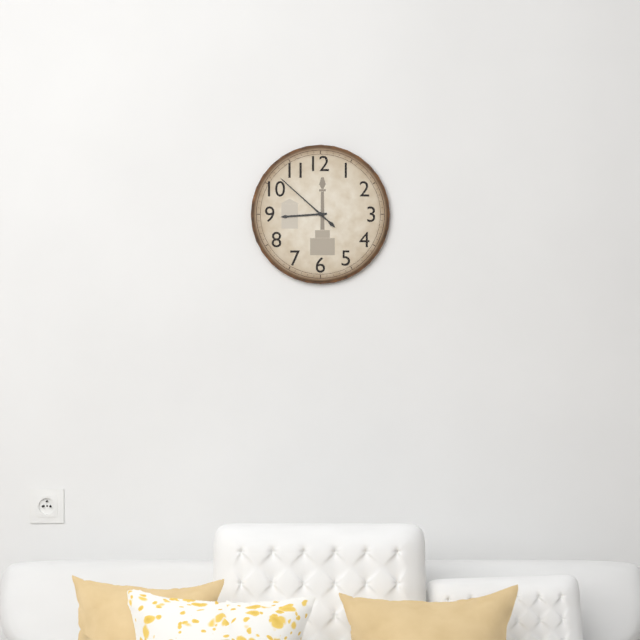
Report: {"hour": 8, "minute": 52}
